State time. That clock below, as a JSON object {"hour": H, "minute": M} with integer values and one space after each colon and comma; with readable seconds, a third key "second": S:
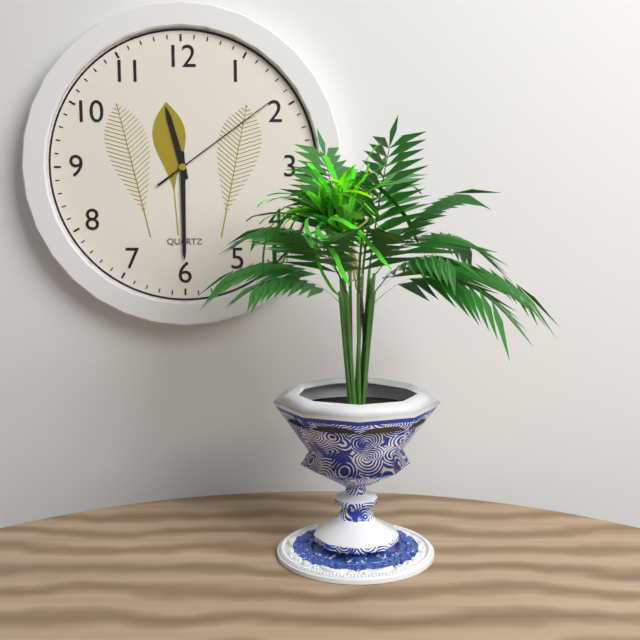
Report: {"hour": 11, "minute": 30, "second": 9}
